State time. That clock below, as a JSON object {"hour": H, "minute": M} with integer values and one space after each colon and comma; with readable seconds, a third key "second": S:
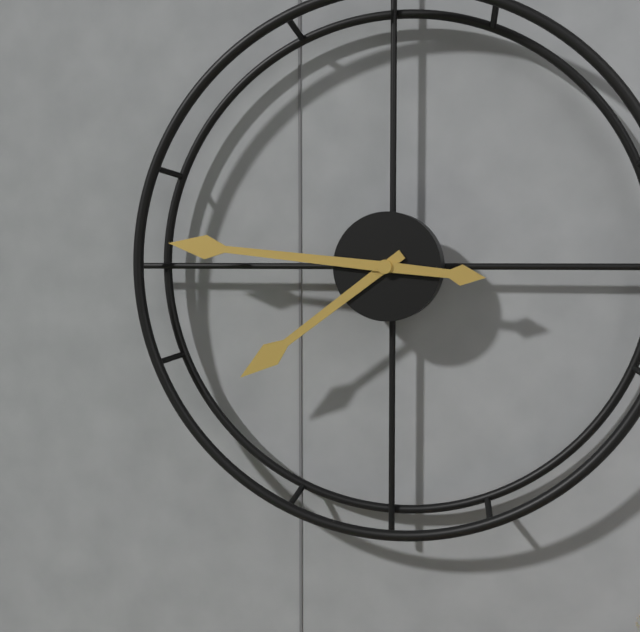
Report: {"hour": 7, "minute": 46}
